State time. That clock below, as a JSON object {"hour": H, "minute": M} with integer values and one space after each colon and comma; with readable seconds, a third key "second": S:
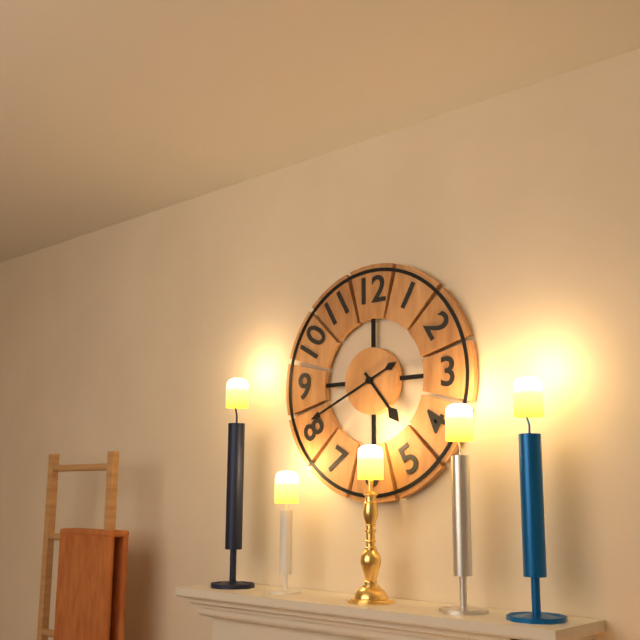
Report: {"hour": 4, "minute": 41}
